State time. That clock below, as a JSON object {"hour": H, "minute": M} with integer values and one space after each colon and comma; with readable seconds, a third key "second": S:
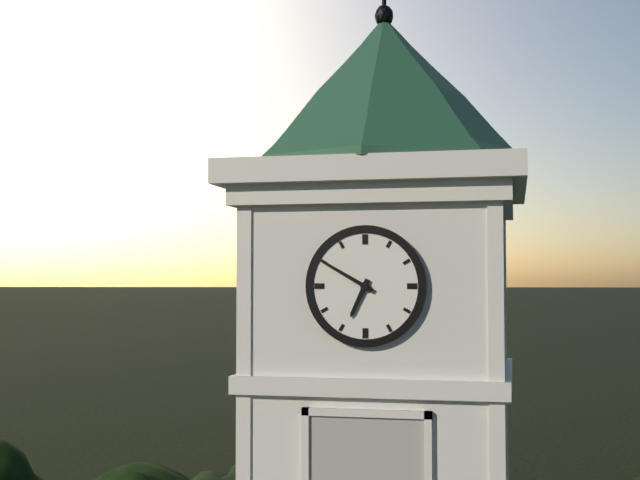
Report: {"hour": 6, "minute": 50}
